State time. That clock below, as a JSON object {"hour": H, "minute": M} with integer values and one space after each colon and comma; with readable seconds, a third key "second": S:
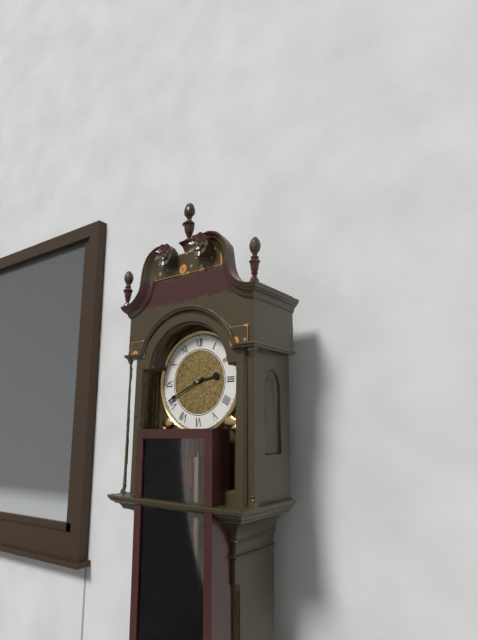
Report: {"hour": 2, "minute": 41}
